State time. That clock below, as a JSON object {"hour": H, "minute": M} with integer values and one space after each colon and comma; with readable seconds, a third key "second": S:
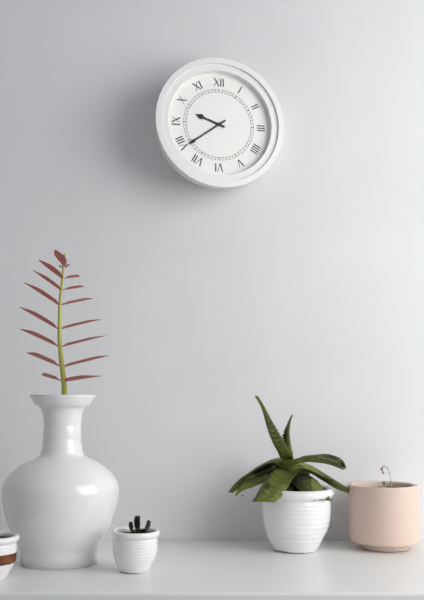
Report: {"hour": 9, "minute": 39}
